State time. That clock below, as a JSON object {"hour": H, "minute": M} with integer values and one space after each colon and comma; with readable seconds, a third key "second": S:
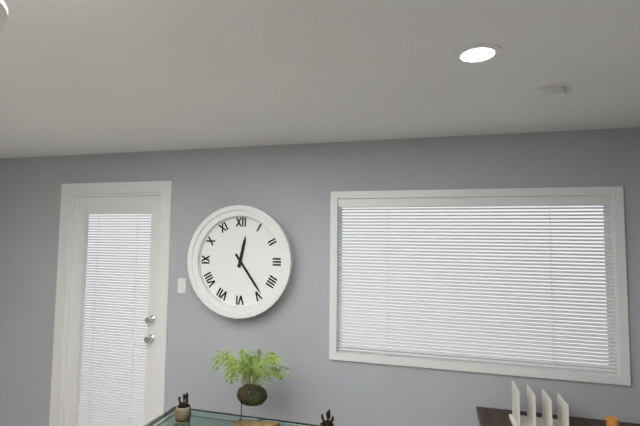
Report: {"hour": 12, "minute": 24}
